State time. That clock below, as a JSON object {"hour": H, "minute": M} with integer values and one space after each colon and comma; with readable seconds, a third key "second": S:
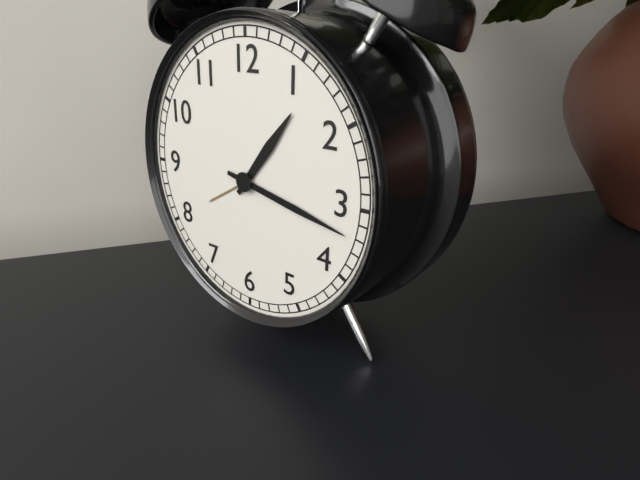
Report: {"hour": 1, "minute": 17}
